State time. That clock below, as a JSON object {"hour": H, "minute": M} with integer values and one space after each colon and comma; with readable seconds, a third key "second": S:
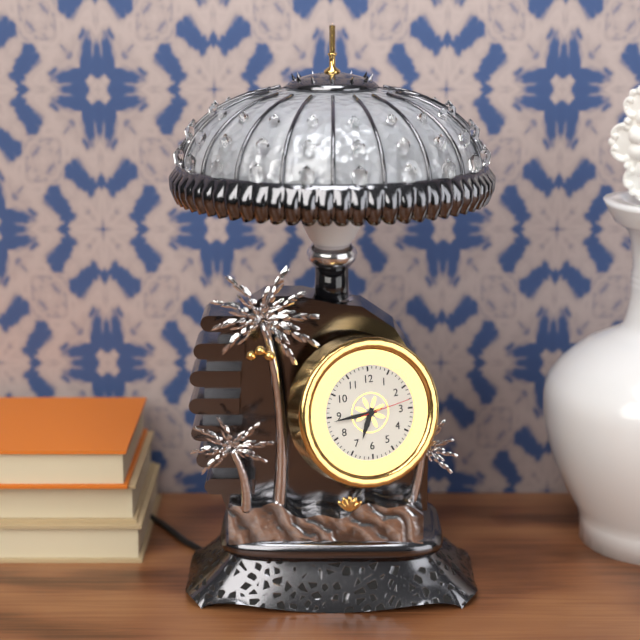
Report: {"hour": 6, "minute": 44, "second": 13}
